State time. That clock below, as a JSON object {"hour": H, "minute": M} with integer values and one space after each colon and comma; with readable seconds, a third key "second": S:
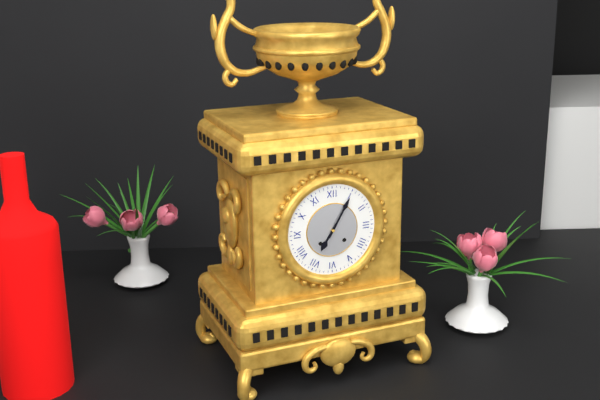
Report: {"hour": 7, "minute": 5}
